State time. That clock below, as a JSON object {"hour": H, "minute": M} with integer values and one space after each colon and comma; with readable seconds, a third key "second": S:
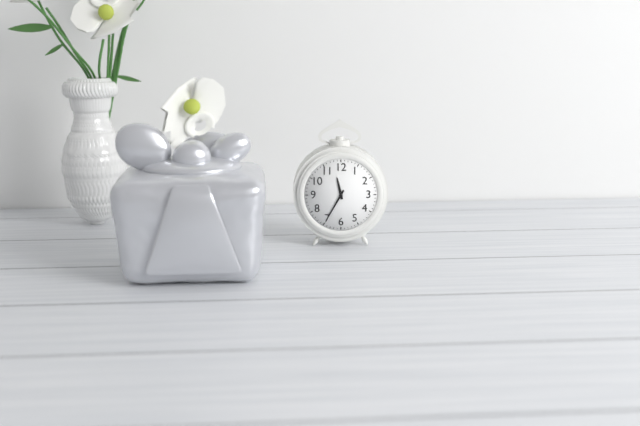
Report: {"hour": 11, "minute": 35}
